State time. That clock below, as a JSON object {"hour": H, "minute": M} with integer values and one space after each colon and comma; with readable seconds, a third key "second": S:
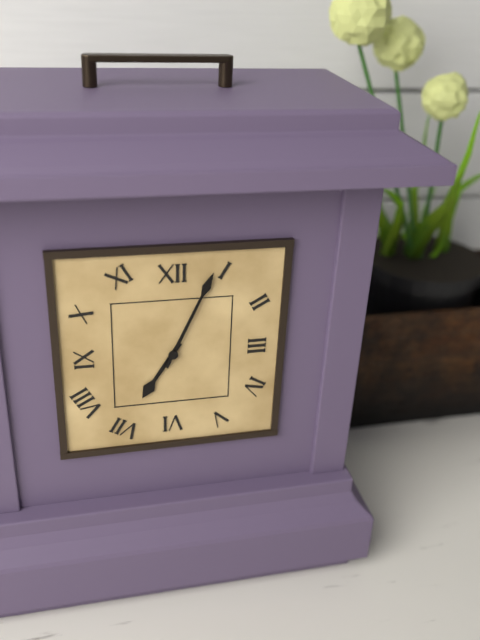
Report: {"hour": 7, "minute": 4}
